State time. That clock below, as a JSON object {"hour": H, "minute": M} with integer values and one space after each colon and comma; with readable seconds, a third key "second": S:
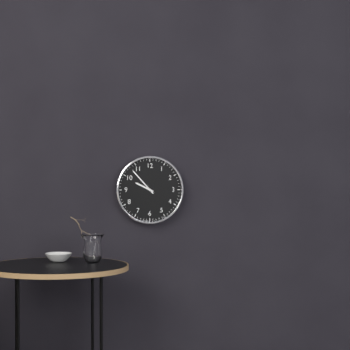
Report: {"hour": 9, "minute": 53}
